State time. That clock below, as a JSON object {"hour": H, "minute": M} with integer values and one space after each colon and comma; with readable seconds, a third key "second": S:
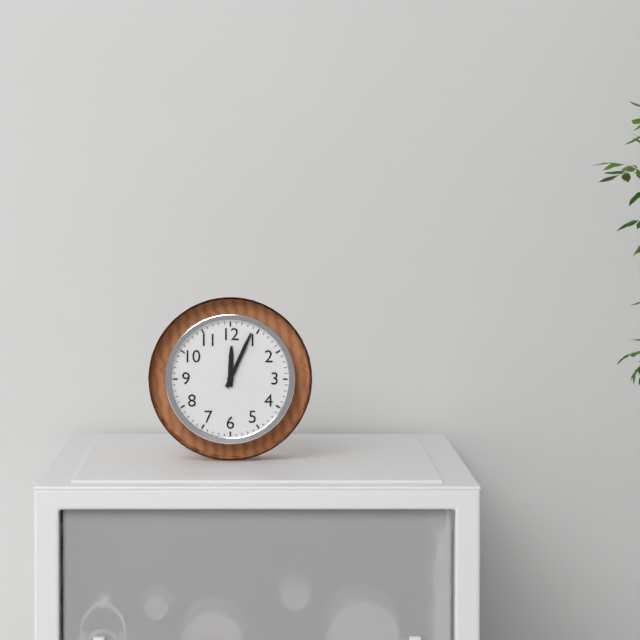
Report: {"hour": 12, "minute": 4}
